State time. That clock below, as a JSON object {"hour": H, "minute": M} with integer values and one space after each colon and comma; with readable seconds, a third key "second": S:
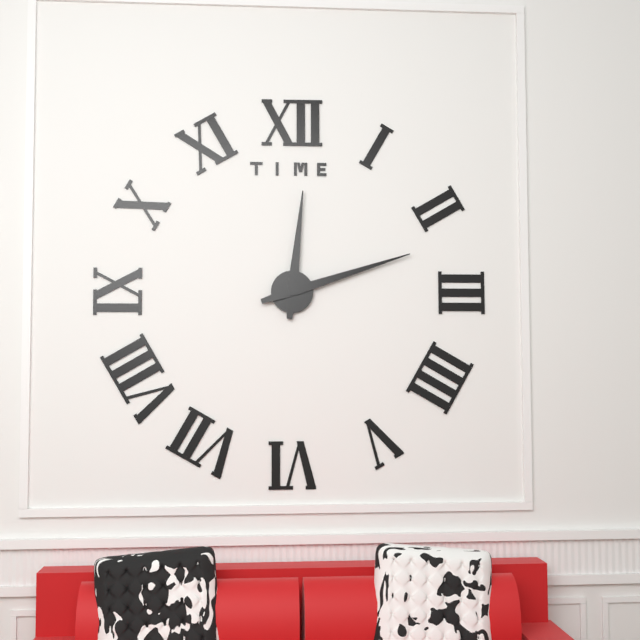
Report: {"hour": 12, "minute": 12}
